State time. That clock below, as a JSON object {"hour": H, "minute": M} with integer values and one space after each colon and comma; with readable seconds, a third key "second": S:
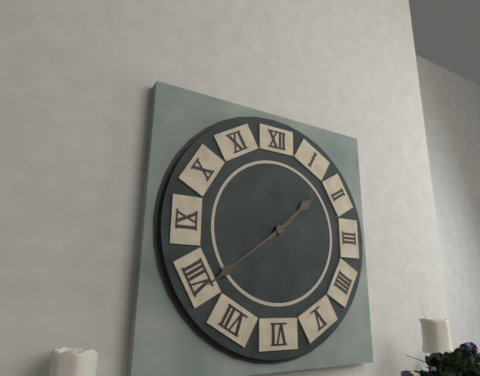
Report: {"hour": 1, "minute": 39}
